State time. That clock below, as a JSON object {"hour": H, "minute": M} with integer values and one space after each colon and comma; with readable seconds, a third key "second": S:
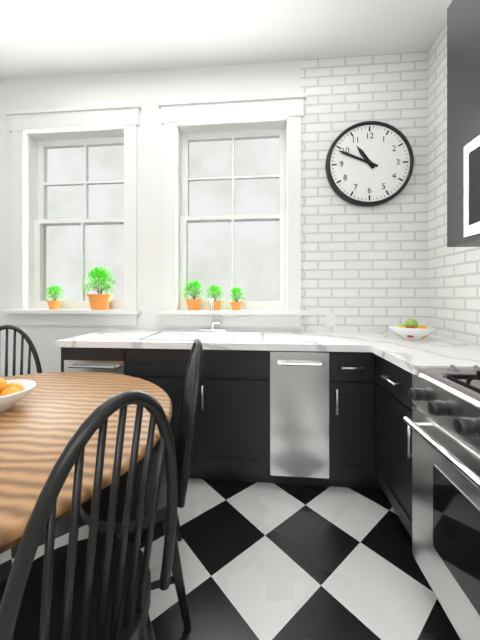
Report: {"hour": 10, "minute": 49}
